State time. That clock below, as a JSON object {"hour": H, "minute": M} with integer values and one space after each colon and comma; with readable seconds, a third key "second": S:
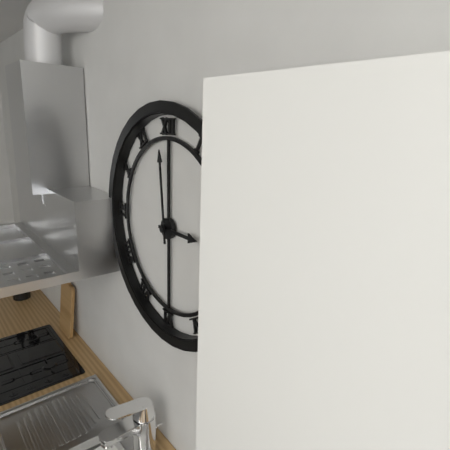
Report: {"hour": 2, "minute": 59}
